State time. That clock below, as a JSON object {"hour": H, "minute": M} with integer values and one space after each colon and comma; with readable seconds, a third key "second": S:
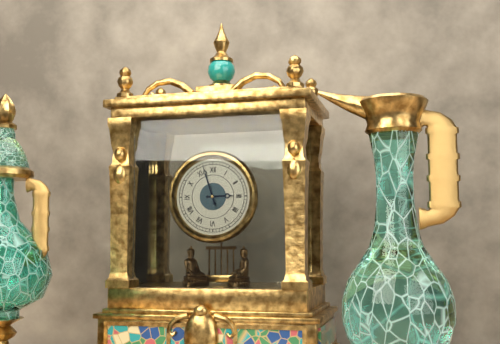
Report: {"hour": 2, "minute": 57}
